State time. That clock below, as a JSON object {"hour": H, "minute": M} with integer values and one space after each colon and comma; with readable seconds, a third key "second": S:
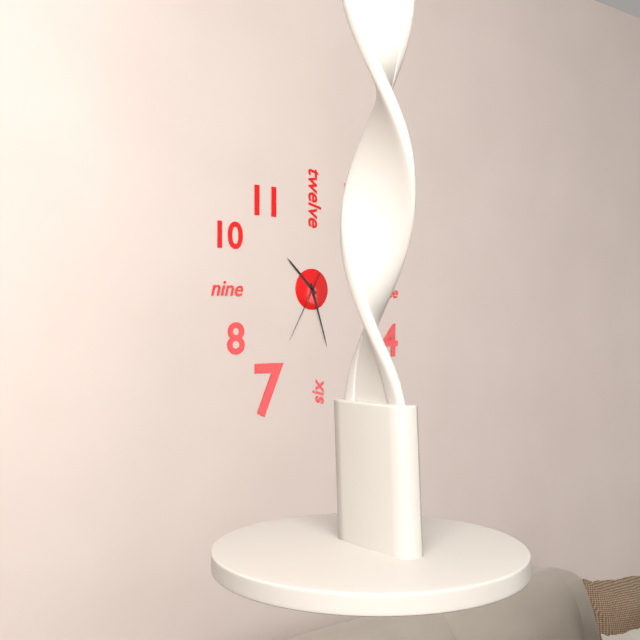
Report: {"hour": 10, "minute": 27, "second": 35}
